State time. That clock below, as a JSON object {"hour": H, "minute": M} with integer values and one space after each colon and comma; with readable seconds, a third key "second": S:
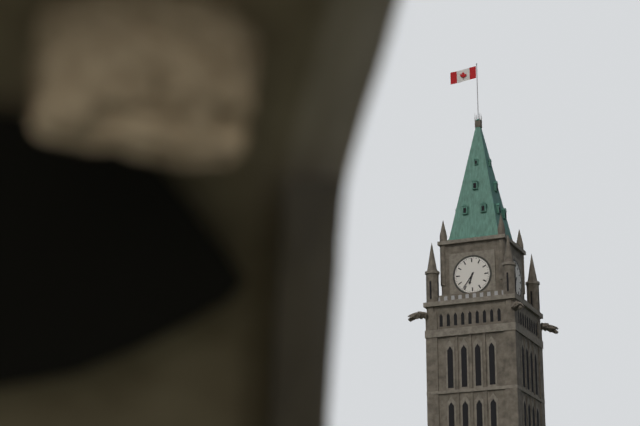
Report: {"hour": 6, "minute": 36}
